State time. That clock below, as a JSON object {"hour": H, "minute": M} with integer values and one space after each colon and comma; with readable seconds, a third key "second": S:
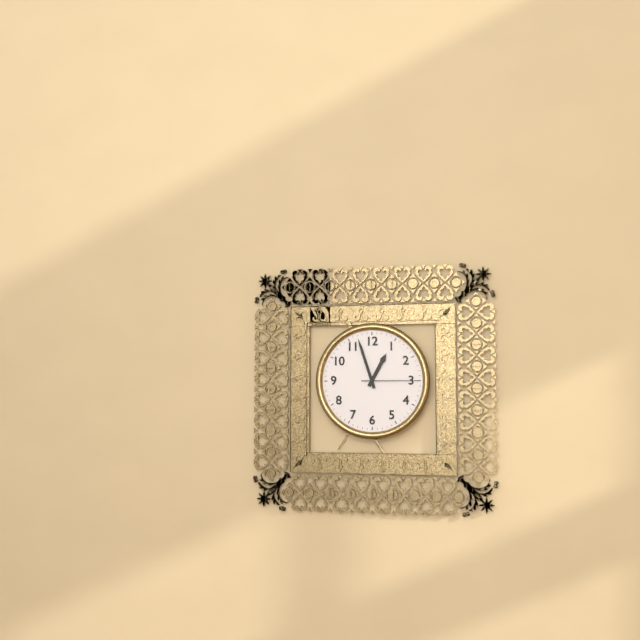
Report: {"hour": 12, "minute": 57, "second": 15}
